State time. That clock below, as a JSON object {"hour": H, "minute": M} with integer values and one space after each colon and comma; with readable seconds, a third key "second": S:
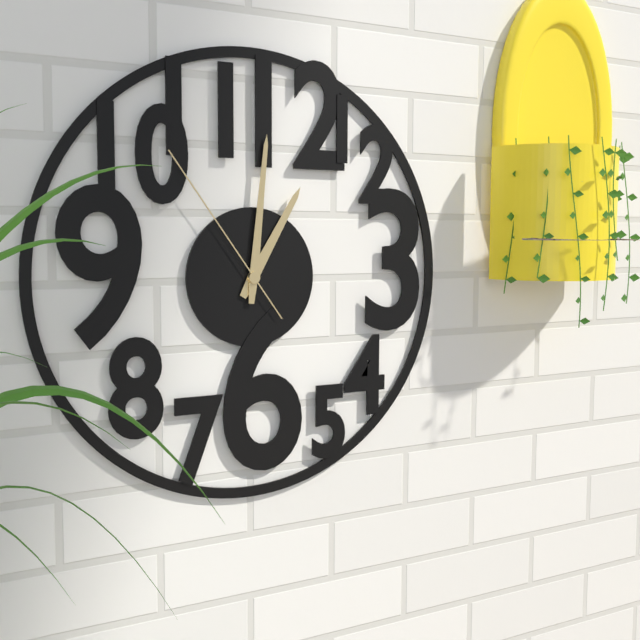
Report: {"hour": 1, "minute": 1, "second": 54}
